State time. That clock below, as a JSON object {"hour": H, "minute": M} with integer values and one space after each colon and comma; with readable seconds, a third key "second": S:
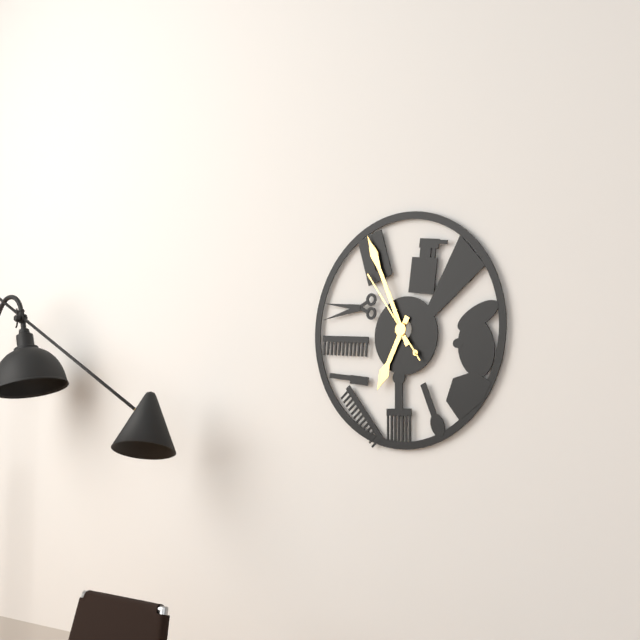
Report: {"hour": 6, "minute": 56, "second": 54}
